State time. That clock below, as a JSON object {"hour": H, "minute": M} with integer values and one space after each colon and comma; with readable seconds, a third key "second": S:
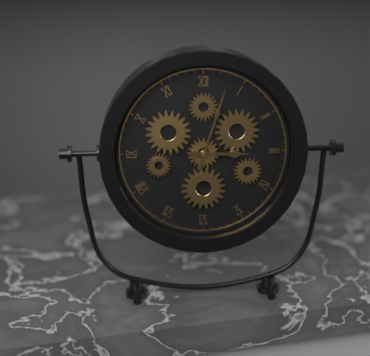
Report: {"hour": 3, "minute": 3}
